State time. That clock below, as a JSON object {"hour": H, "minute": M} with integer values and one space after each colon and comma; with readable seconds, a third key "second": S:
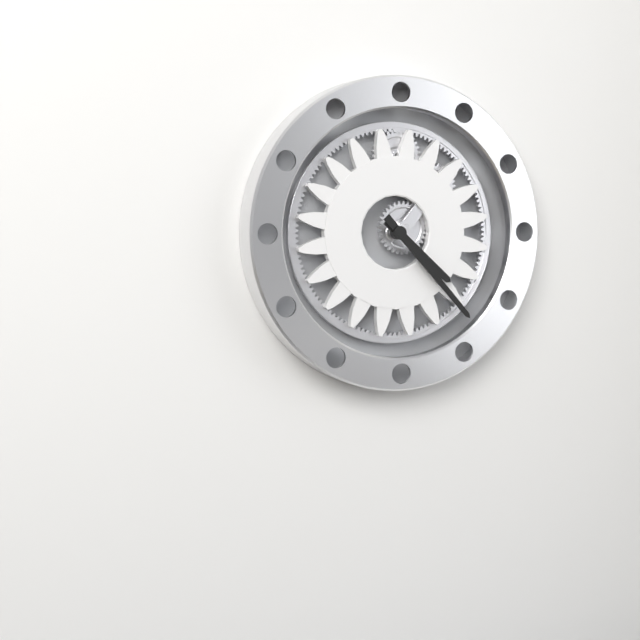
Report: {"hour": 4, "minute": 23}
